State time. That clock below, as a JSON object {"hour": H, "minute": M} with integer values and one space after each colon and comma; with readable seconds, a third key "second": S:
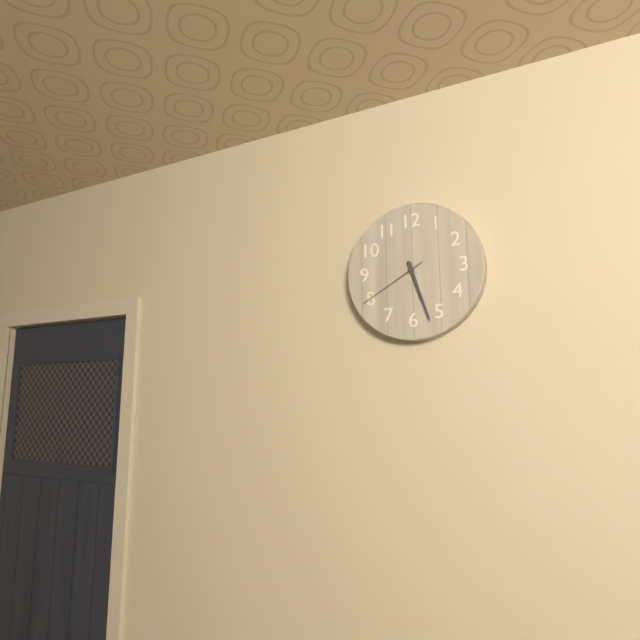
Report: {"hour": 5, "minute": 27, "second": 40}
